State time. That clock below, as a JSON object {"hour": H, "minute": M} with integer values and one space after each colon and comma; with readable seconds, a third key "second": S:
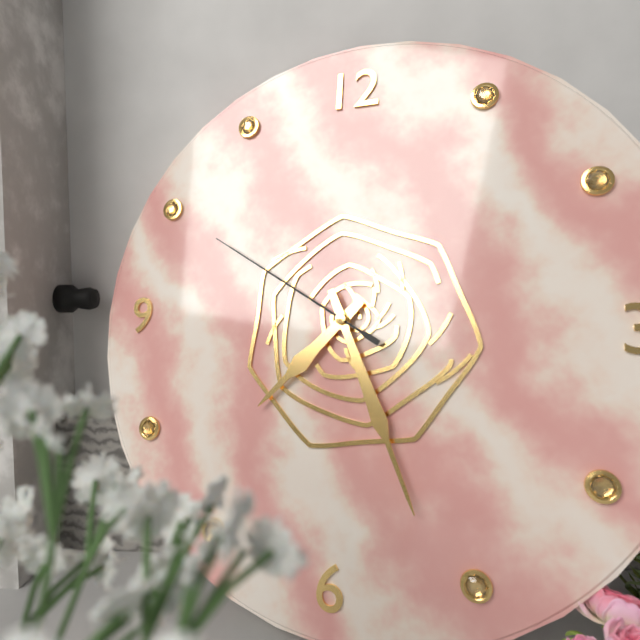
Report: {"hour": 7, "minute": 26, "second": 50}
